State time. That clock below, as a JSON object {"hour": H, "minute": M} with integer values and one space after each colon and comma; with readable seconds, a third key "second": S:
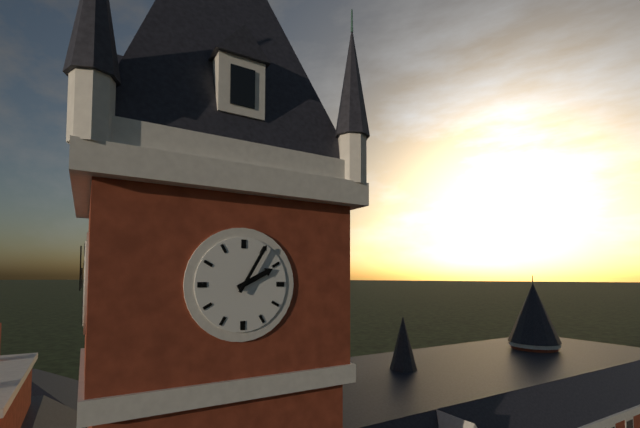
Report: {"hour": 2, "minute": 5}
